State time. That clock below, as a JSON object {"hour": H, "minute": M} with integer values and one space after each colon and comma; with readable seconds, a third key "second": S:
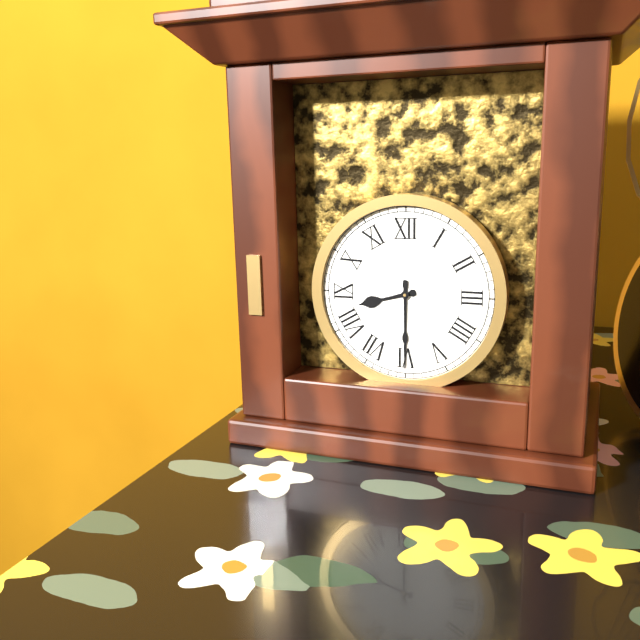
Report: {"hour": 8, "minute": 30}
